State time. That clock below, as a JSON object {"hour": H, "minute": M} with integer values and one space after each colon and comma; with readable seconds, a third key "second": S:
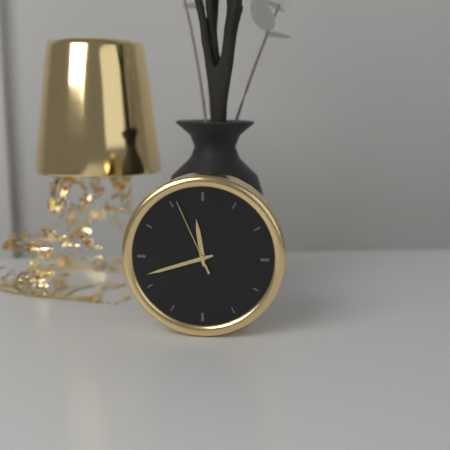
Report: {"hour": 11, "minute": 42, "second": 56}
